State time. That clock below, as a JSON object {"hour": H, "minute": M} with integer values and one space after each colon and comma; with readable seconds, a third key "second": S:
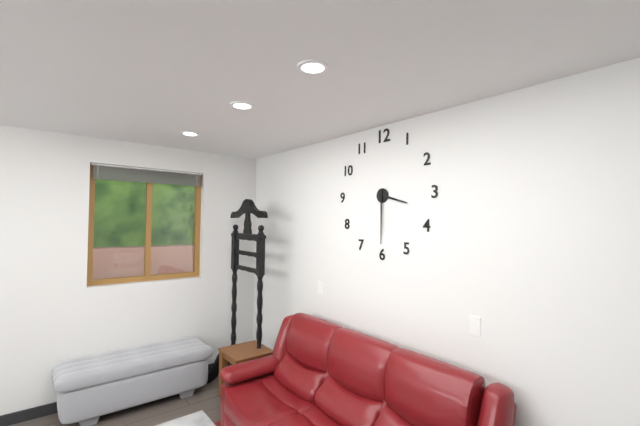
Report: {"hour": 3, "minute": 30}
